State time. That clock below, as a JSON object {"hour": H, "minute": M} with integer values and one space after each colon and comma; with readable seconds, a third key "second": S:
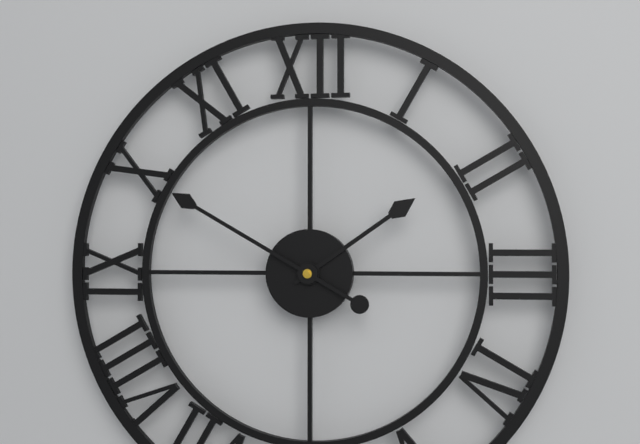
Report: {"hour": 1, "minute": 50}
